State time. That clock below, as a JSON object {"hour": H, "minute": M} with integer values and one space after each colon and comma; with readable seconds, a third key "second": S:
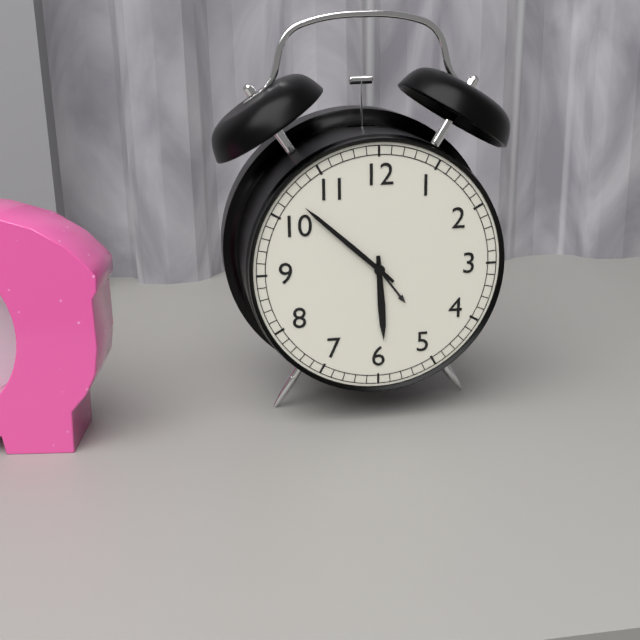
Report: {"hour": 5, "minute": 52}
